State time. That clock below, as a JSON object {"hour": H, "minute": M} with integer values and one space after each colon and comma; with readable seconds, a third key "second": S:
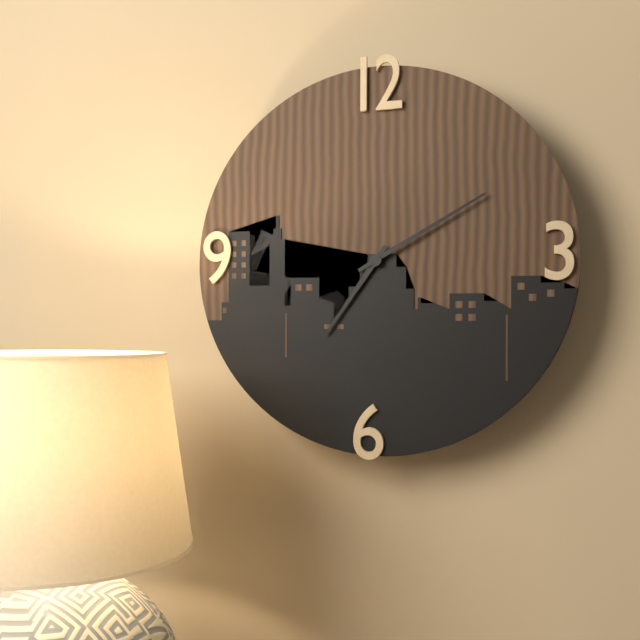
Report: {"hour": 7, "minute": 10}
